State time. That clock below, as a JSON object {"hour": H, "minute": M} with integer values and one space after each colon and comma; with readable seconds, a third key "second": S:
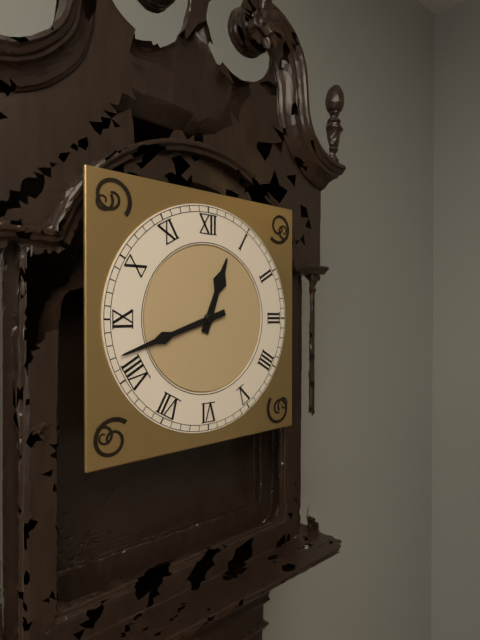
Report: {"hour": 12, "minute": 42}
